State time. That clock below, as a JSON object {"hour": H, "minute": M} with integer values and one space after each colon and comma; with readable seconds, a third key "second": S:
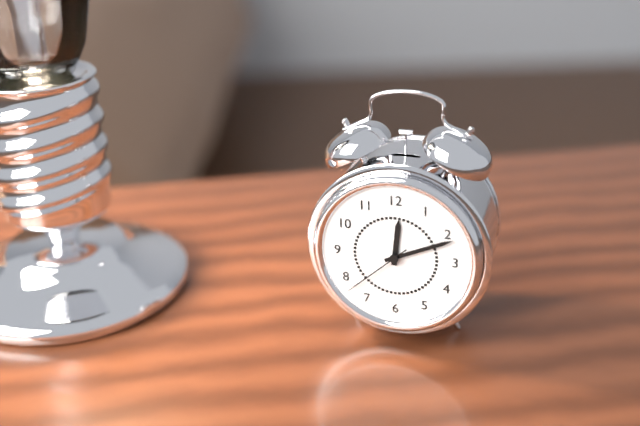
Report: {"hour": 12, "minute": 11, "second": 38}
